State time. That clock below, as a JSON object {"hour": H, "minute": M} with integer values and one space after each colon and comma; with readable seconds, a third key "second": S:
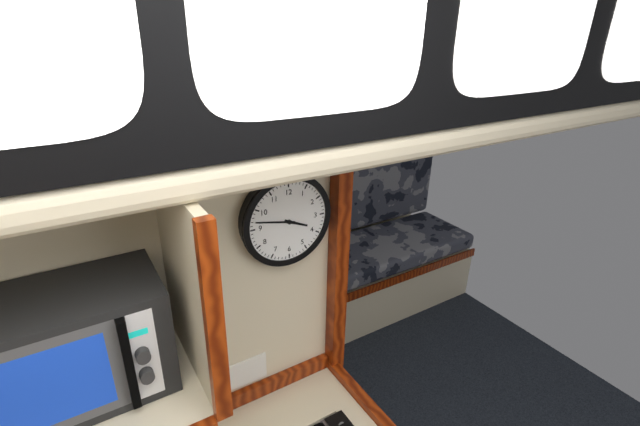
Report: {"hour": 3, "minute": 47}
